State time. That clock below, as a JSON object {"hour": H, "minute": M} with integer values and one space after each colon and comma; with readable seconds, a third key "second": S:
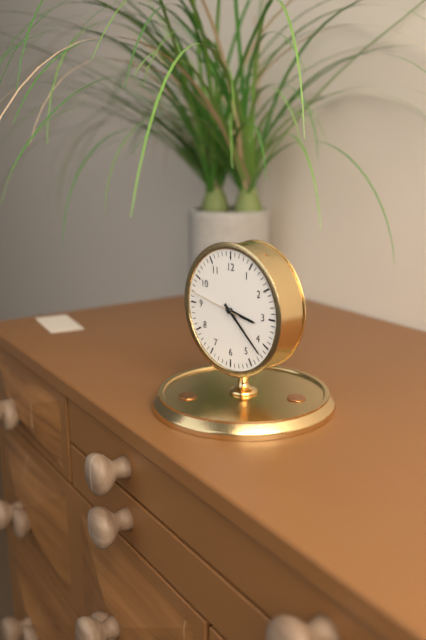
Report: {"hour": 3, "minute": 22, "second": 47}
